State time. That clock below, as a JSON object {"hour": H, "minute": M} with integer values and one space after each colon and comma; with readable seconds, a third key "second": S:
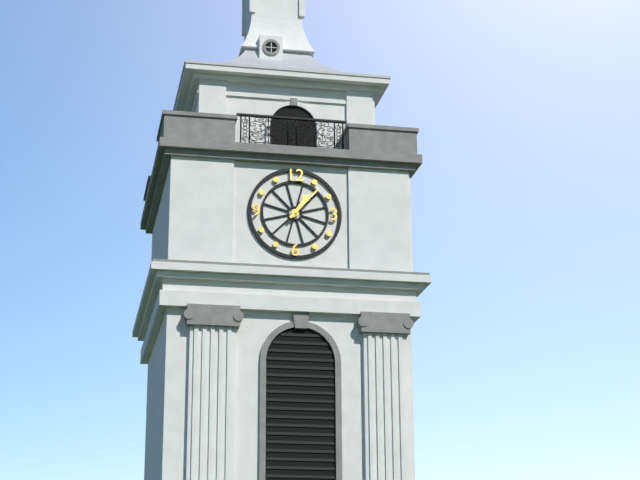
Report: {"hour": 1, "minute": 7}
